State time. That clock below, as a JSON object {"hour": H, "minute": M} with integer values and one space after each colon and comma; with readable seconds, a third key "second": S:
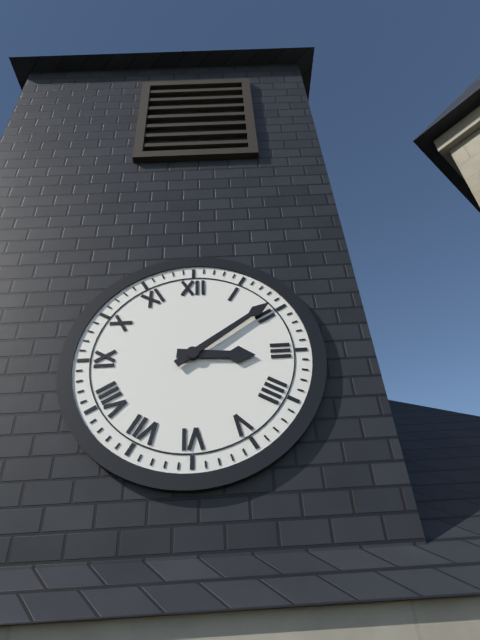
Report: {"hour": 3, "minute": 9}
